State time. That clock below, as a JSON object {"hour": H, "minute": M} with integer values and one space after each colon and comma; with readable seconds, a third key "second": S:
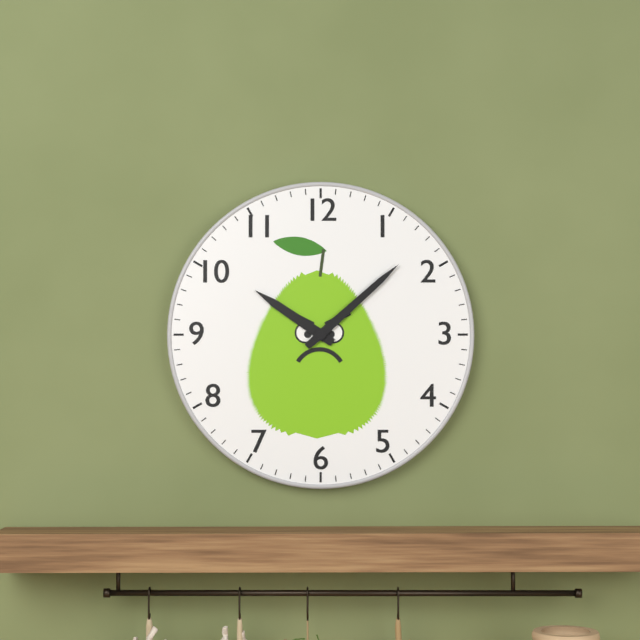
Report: {"hour": 10, "minute": 8}
